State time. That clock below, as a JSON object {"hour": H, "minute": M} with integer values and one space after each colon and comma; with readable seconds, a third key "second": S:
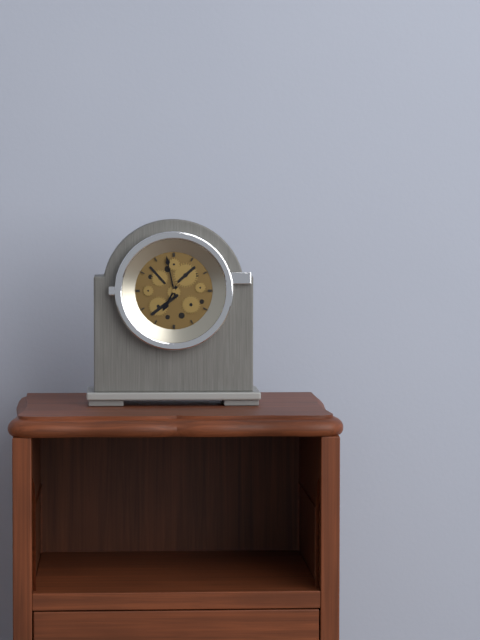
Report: {"hour": 6, "minute": 58}
